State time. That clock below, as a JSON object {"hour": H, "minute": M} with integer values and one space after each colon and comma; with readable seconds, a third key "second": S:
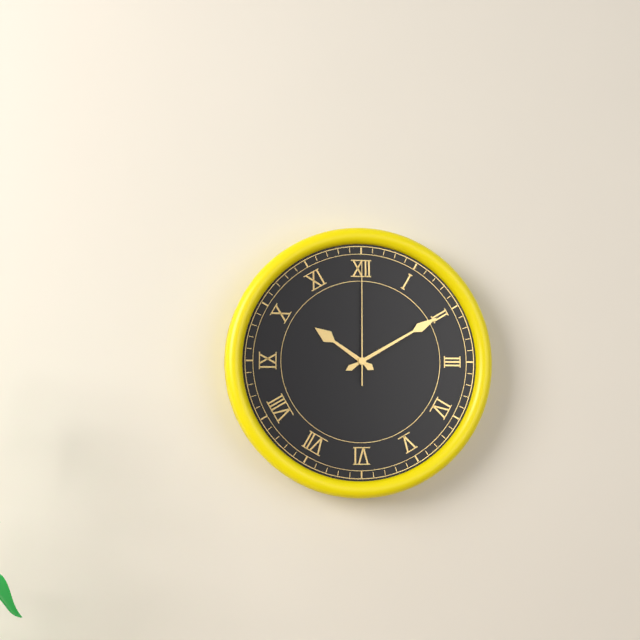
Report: {"hour": 10, "minute": 10, "second": 0}
